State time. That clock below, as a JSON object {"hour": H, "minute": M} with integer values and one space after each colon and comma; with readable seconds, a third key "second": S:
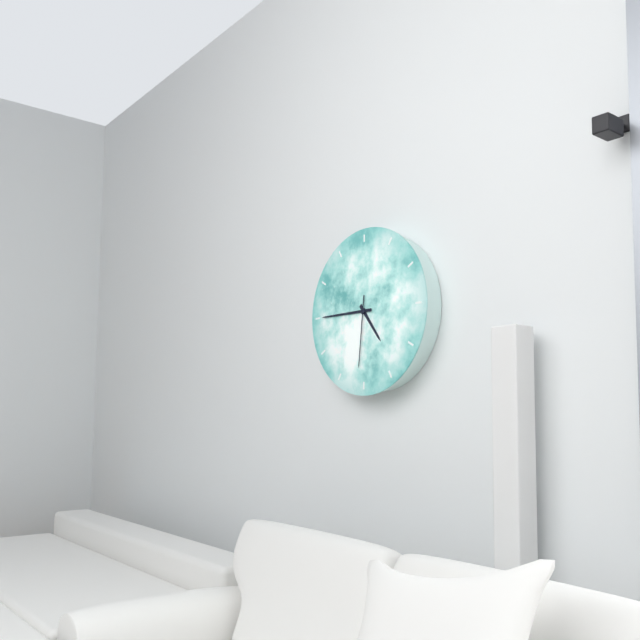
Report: {"hour": 4, "minute": 45, "second": 31}
